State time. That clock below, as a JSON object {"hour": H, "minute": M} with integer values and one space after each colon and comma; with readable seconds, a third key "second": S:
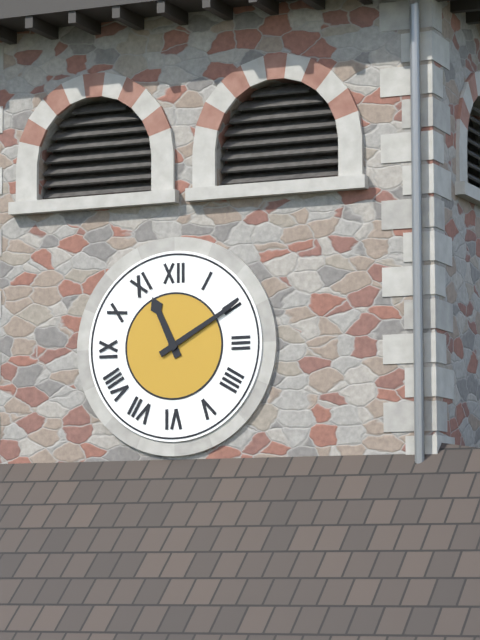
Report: {"hour": 11, "minute": 10}
